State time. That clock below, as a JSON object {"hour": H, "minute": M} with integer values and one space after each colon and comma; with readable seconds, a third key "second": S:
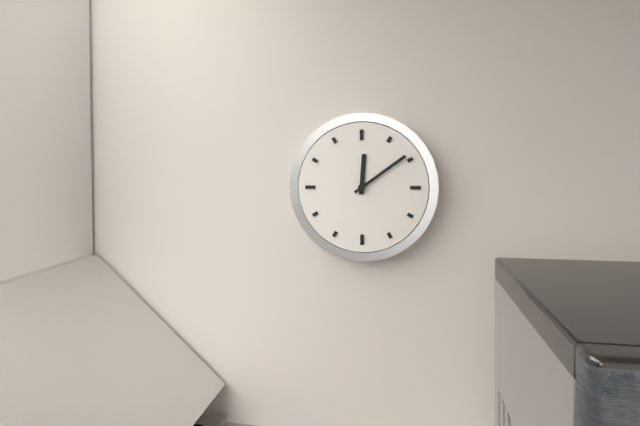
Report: {"hour": 12, "minute": 9}
